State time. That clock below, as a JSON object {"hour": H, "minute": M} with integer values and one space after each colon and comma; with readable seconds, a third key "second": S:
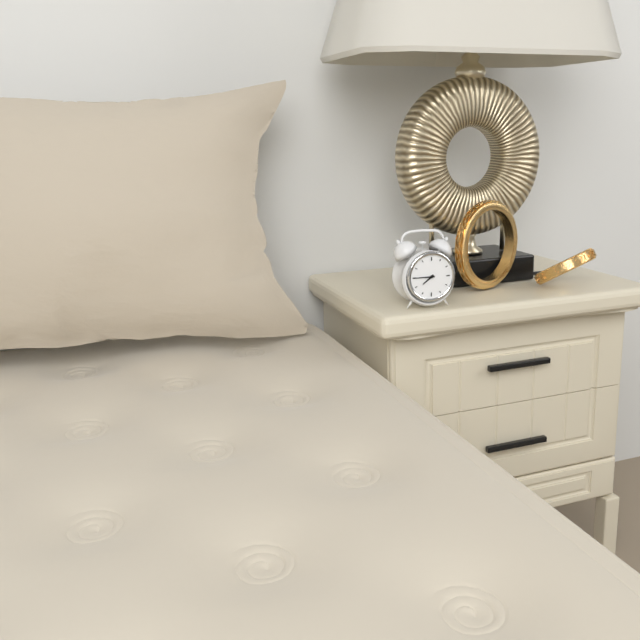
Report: {"hour": 7, "minute": 45}
